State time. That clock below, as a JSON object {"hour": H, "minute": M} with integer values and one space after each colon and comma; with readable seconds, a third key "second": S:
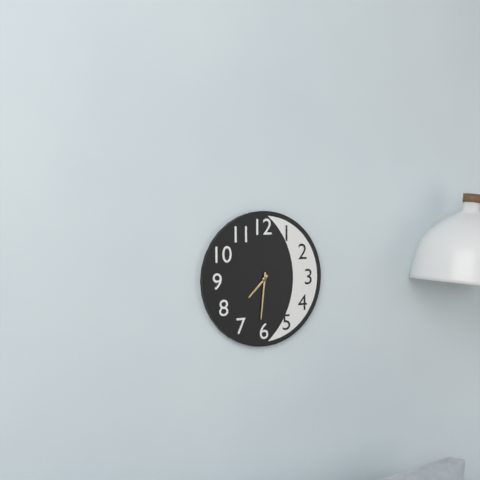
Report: {"hour": 7, "minute": 31}
